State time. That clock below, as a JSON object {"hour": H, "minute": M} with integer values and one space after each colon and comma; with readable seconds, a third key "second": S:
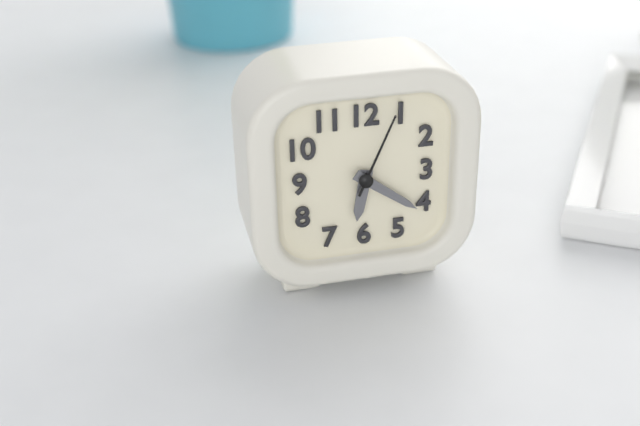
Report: {"hour": 6, "minute": 21, "second": 4}
